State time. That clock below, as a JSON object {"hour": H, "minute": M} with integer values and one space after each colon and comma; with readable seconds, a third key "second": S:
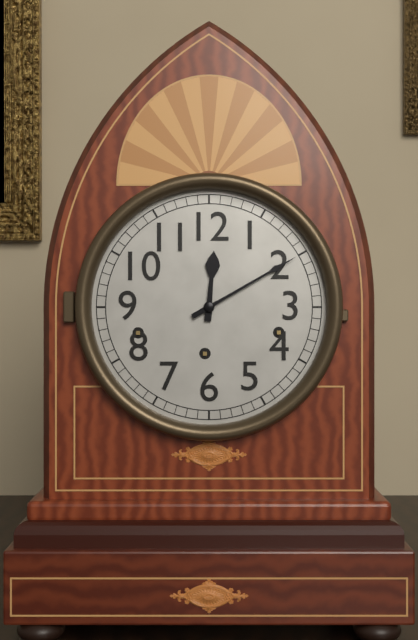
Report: {"hour": 12, "minute": 10}
